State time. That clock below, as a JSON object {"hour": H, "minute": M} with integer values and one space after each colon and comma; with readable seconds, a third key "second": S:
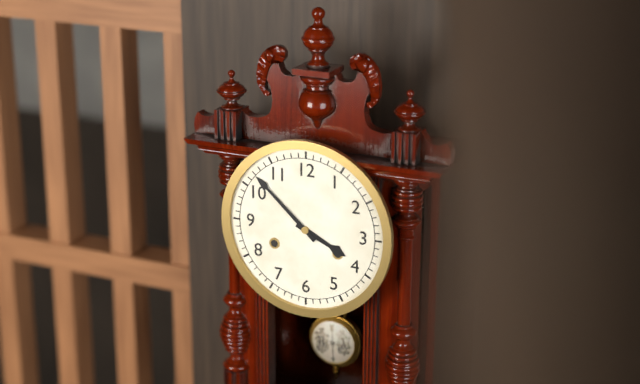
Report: {"hour": 3, "minute": 52}
